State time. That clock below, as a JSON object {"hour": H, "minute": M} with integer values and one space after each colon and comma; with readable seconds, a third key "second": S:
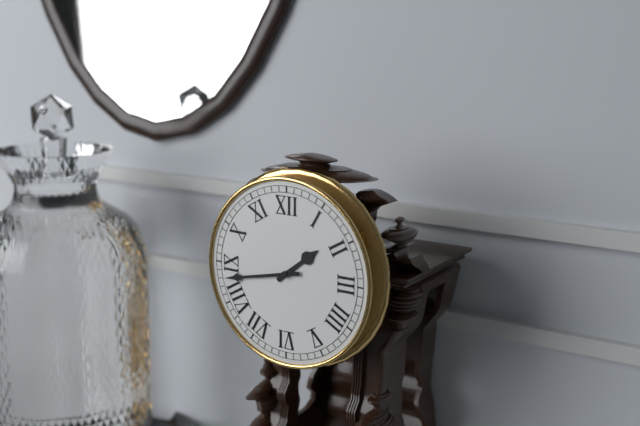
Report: {"hour": 1, "minute": 43}
